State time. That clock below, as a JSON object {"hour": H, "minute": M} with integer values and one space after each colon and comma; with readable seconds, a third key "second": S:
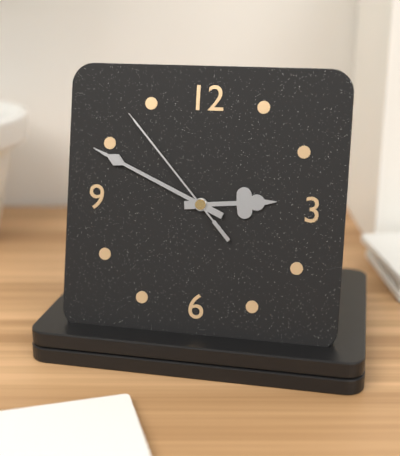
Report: {"hour": 2, "minute": 49, "second": 53}
